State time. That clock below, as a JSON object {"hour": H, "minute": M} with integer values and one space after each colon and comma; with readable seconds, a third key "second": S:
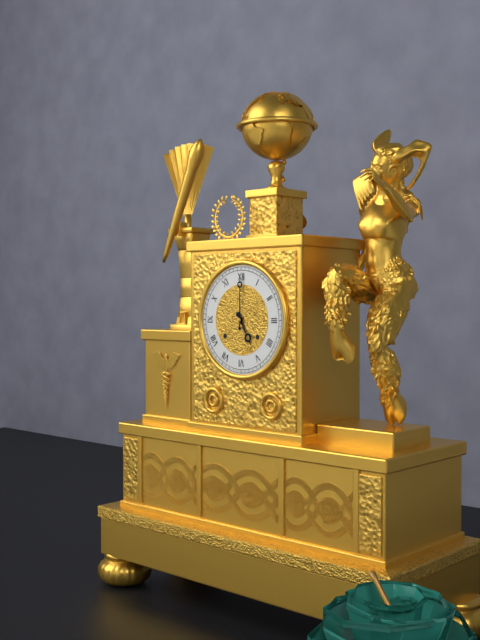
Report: {"hour": 5, "minute": 0}
